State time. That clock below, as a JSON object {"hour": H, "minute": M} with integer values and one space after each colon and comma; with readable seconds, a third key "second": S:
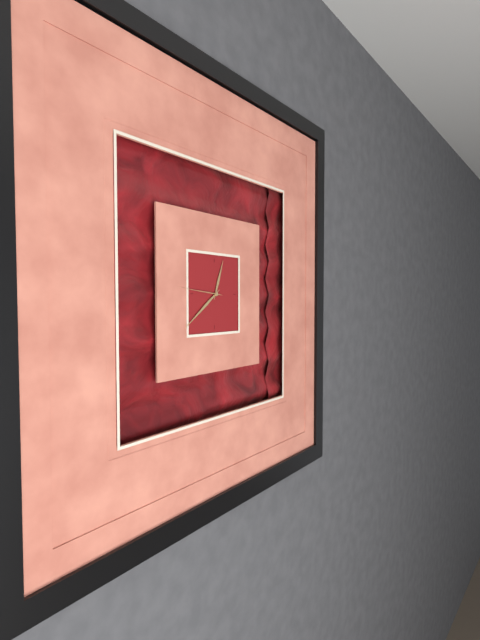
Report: {"hour": 12, "minute": 39}
